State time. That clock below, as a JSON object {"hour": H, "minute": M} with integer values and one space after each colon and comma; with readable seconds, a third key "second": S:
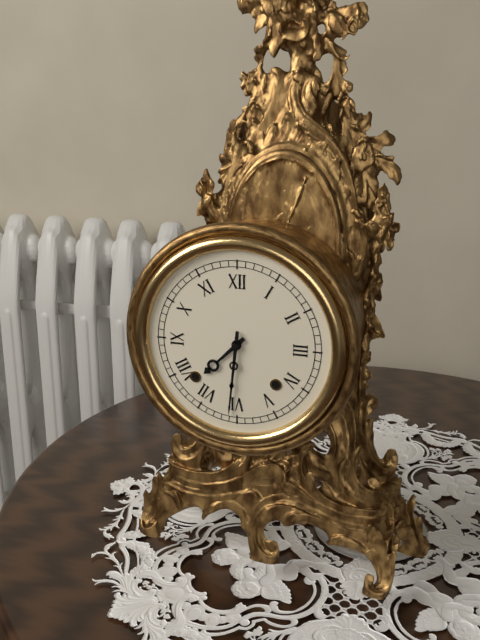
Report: {"hour": 7, "minute": 31}
